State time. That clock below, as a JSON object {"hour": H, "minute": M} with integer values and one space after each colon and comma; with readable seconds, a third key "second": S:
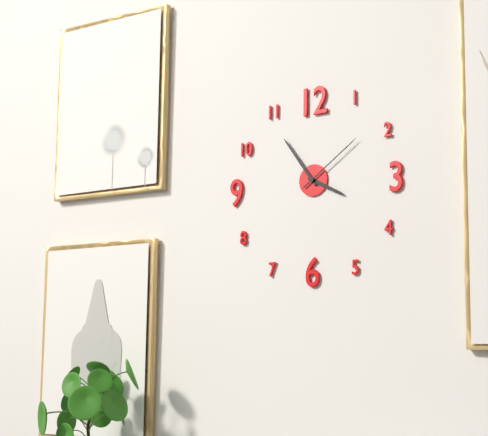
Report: {"hour": 3, "minute": 54, "second": 9}
